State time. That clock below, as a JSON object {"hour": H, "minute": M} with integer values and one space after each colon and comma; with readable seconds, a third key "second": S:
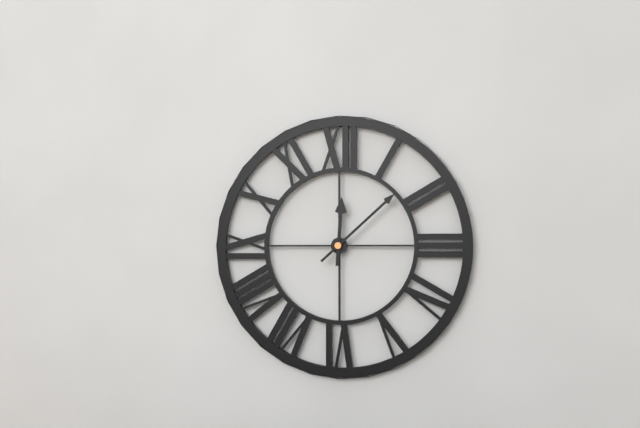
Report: {"hour": 12, "minute": 8}
